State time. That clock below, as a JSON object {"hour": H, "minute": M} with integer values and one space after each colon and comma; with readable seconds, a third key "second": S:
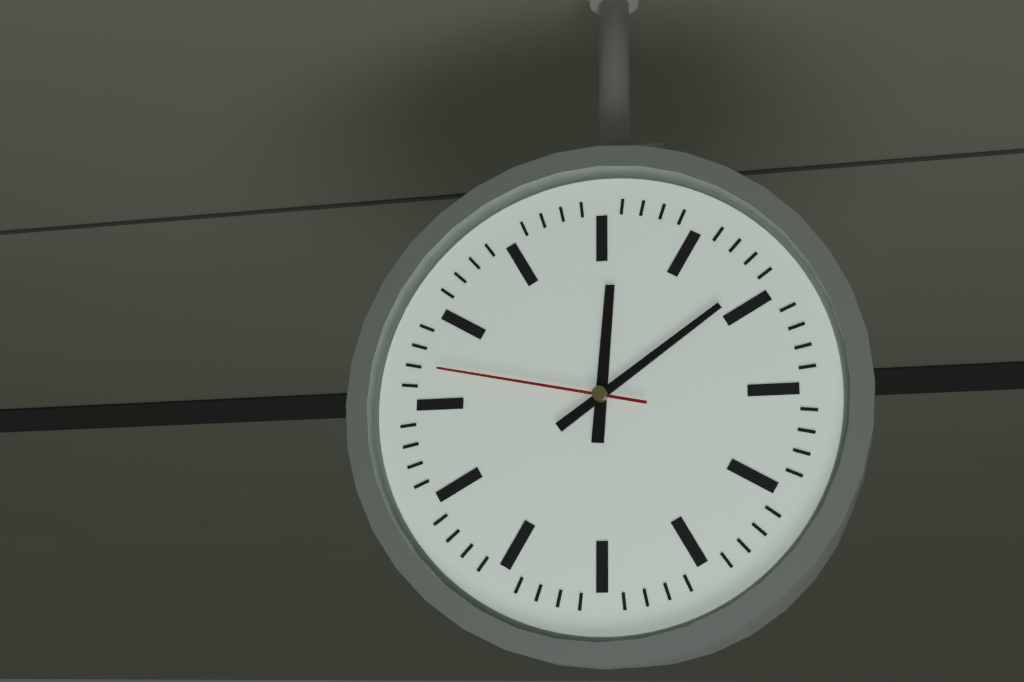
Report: {"hour": 12, "minute": 9, "second": 47}
